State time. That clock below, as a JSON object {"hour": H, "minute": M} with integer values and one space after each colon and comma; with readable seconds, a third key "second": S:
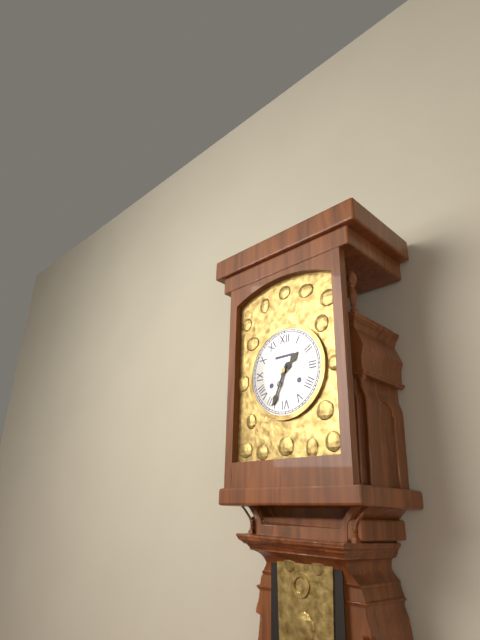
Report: {"hour": 1, "minute": 34}
